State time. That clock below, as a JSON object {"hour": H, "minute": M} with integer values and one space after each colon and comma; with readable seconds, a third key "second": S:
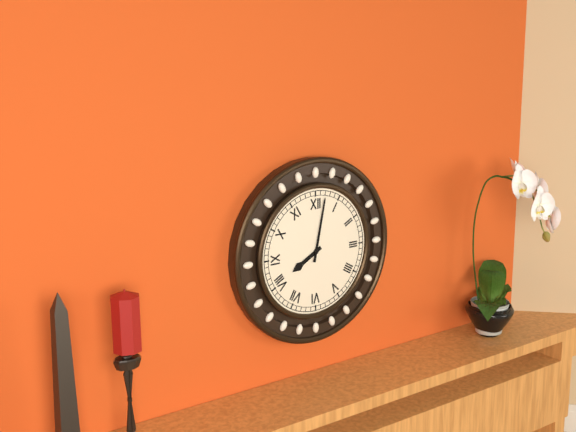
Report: {"hour": 8, "minute": 2}
